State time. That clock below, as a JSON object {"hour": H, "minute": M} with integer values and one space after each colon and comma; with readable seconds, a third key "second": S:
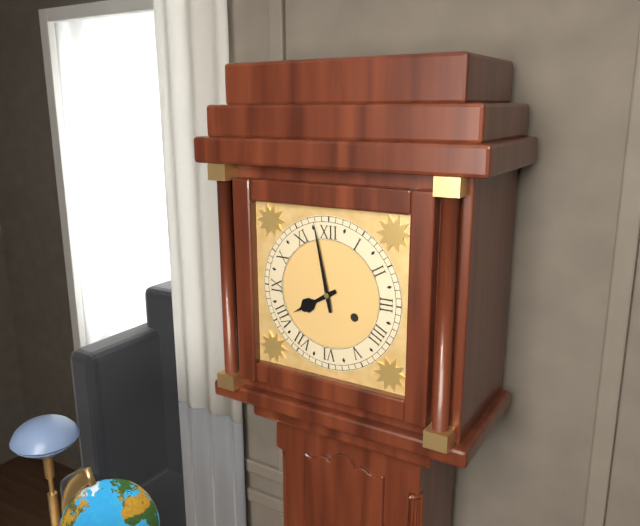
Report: {"hour": 7, "minute": 58}
